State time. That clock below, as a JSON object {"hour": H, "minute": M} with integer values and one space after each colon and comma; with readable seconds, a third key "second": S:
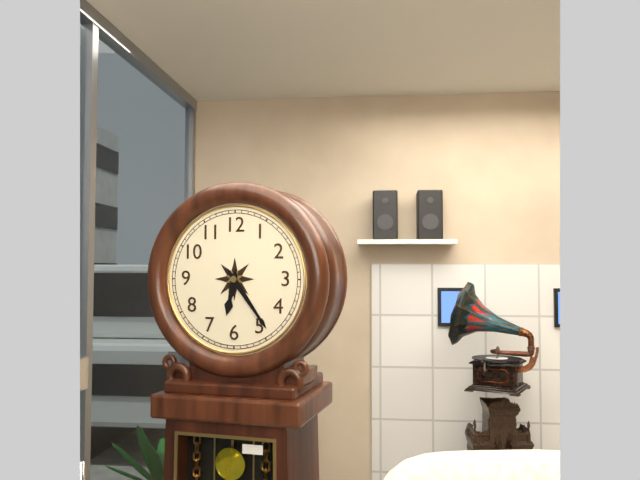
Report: {"hour": 6, "minute": 24}
